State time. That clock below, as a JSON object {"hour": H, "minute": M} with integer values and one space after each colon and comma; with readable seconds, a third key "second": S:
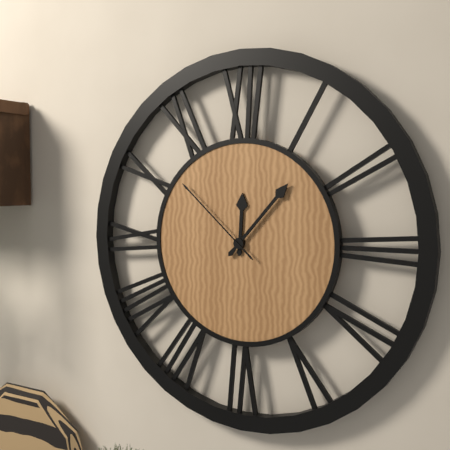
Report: {"hour": 12, "minute": 7, "second": 52}
